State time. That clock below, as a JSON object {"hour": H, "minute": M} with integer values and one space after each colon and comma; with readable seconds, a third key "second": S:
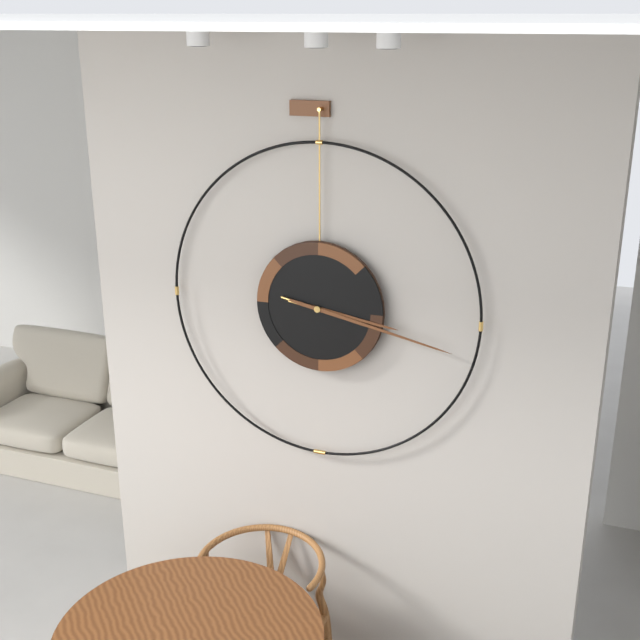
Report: {"hour": 3, "minute": 17}
